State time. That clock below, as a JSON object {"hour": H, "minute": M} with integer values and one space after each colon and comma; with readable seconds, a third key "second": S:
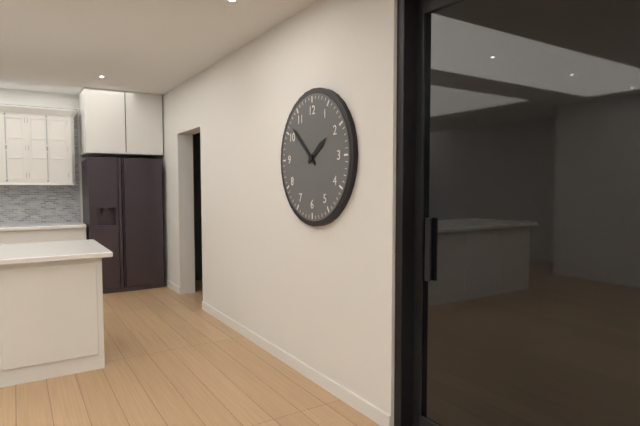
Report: {"hour": 1, "minute": 52}
